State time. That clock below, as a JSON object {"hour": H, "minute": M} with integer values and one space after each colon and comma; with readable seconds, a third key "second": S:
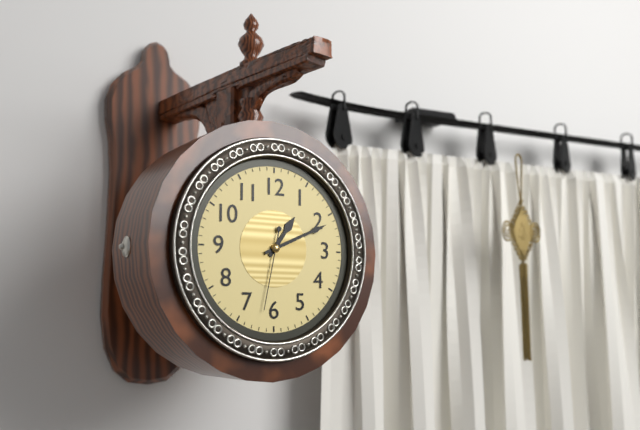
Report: {"hour": 1, "minute": 11, "second": 32}
